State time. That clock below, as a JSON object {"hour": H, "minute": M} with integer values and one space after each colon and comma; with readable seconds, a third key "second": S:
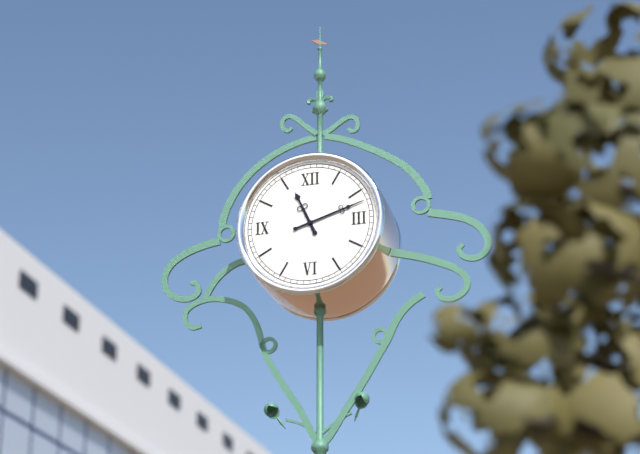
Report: {"hour": 11, "minute": 12}
